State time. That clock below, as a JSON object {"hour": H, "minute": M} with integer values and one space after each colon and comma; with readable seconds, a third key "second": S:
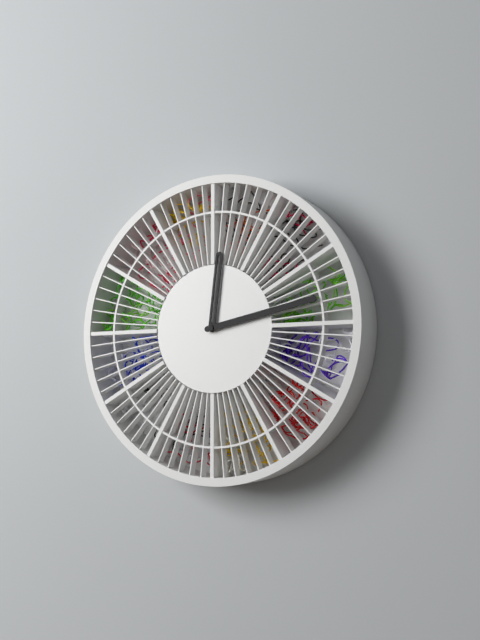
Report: {"hour": 12, "minute": 13}
